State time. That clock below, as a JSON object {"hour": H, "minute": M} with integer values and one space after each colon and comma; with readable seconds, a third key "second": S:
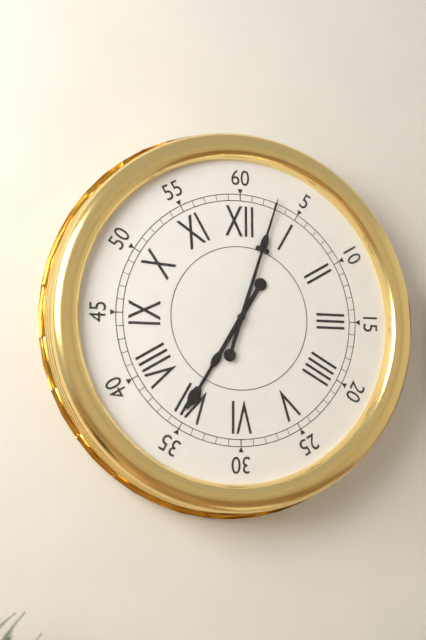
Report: {"hour": 7, "minute": 3}
